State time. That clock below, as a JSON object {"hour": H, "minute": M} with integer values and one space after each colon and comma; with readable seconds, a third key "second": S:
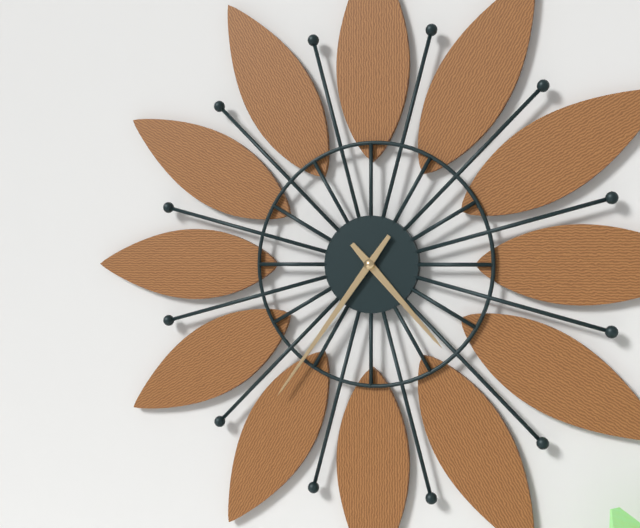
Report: {"hour": 4, "minute": 36}
